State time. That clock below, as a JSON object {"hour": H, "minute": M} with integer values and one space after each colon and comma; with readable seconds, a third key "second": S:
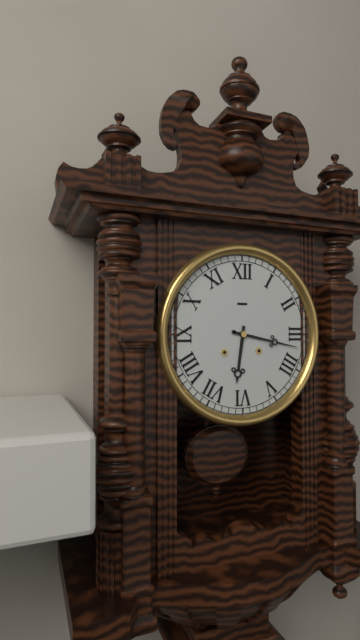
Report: {"hour": 6, "minute": 17}
